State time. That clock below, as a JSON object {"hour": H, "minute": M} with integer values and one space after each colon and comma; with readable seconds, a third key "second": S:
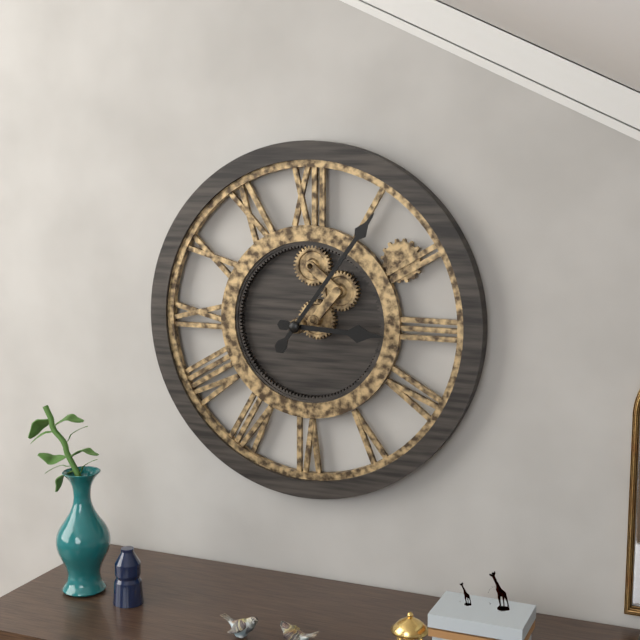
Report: {"hour": 3, "minute": 6}
